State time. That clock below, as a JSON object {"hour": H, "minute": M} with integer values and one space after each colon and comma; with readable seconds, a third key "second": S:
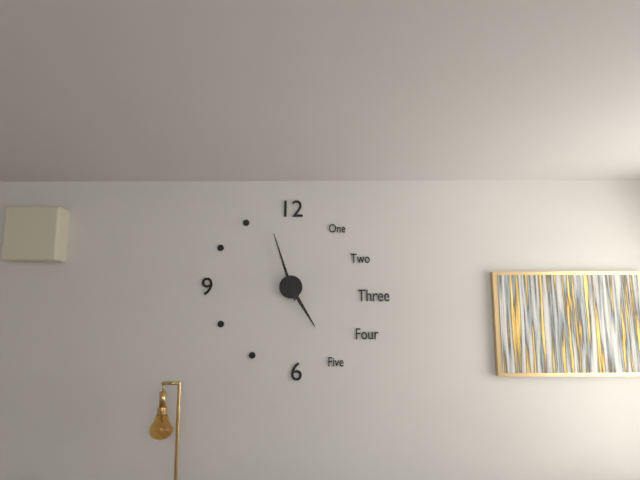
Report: {"hour": 4, "minute": 57}
